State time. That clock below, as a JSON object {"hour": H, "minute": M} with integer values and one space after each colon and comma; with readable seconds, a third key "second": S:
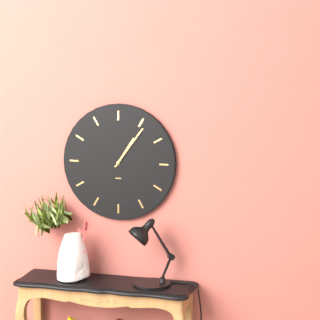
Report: {"hour": 1, "minute": 6}
